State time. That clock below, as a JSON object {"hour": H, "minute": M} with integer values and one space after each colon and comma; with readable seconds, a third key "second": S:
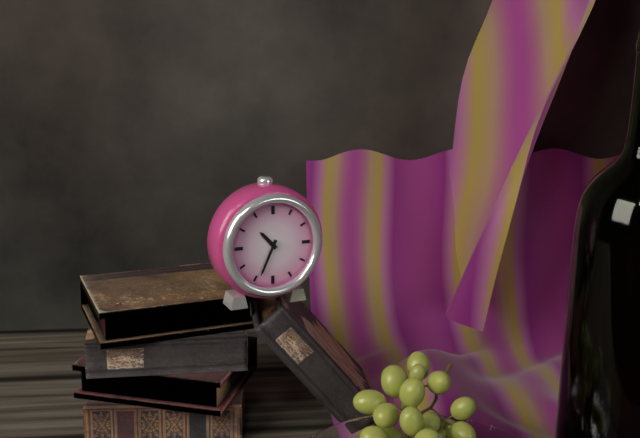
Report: {"hour": 10, "minute": 34}
